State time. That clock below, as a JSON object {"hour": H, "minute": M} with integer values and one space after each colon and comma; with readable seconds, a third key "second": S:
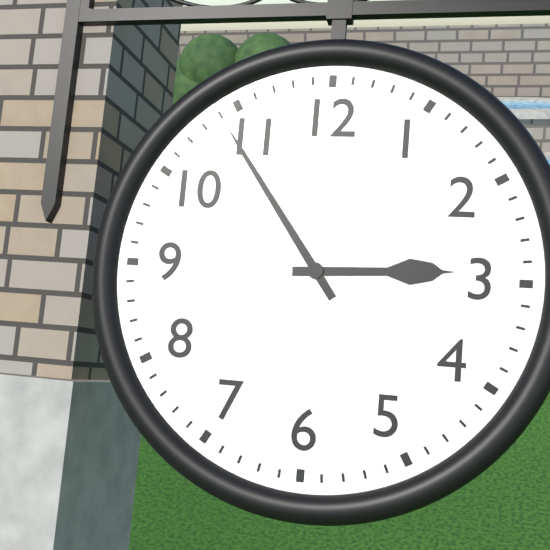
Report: {"hour": 2, "minute": 54}
